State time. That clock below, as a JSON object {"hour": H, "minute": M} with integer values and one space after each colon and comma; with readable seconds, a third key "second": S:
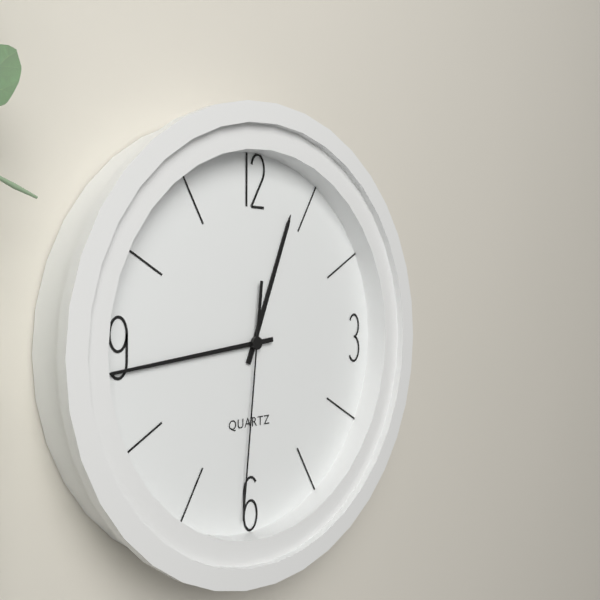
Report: {"hour": 12, "minute": 44, "second": 31}
